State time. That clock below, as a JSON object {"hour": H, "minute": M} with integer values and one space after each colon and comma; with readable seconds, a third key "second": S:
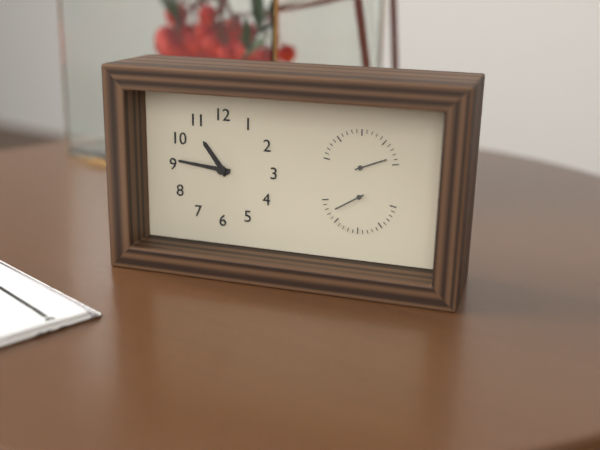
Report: {"hour": 10, "minute": 46}
